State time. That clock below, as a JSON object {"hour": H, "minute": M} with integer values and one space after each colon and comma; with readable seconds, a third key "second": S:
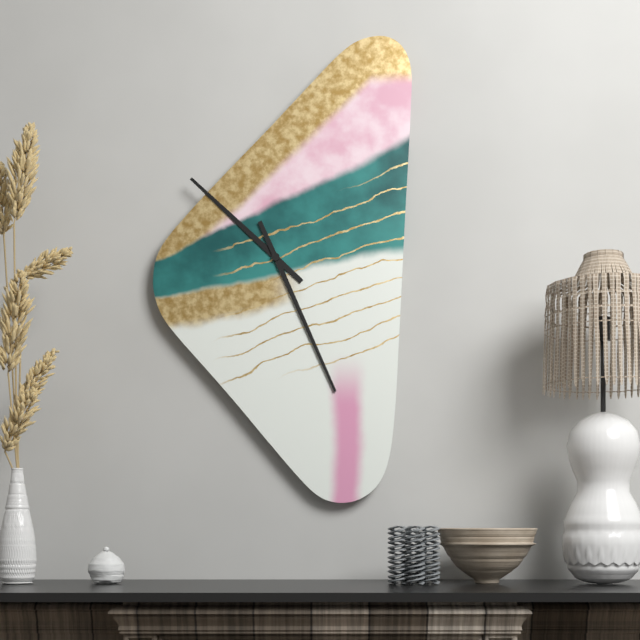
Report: {"hour": 10, "minute": 26}
